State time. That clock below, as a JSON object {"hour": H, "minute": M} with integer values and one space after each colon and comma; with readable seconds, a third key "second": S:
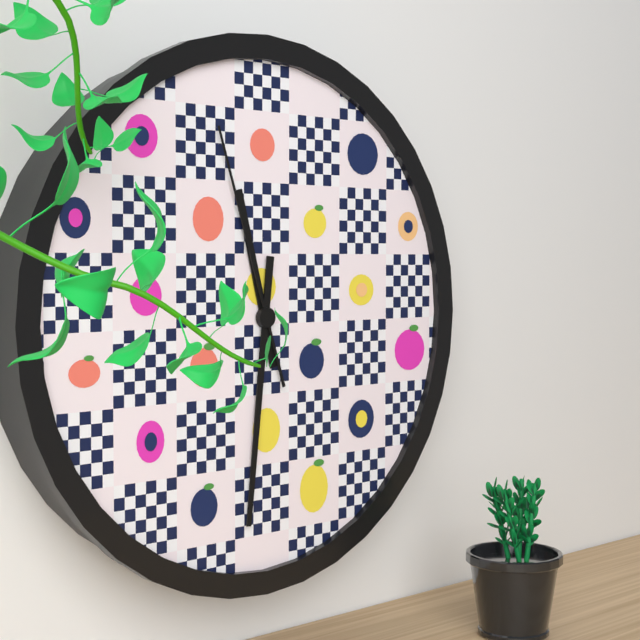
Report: {"hour": 11, "minute": 31, "second": 57}
